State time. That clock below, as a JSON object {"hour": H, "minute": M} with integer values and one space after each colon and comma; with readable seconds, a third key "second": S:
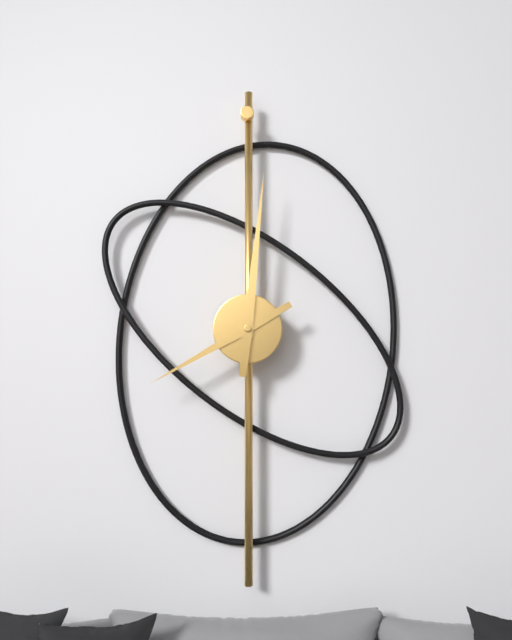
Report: {"hour": 8, "minute": 1}
